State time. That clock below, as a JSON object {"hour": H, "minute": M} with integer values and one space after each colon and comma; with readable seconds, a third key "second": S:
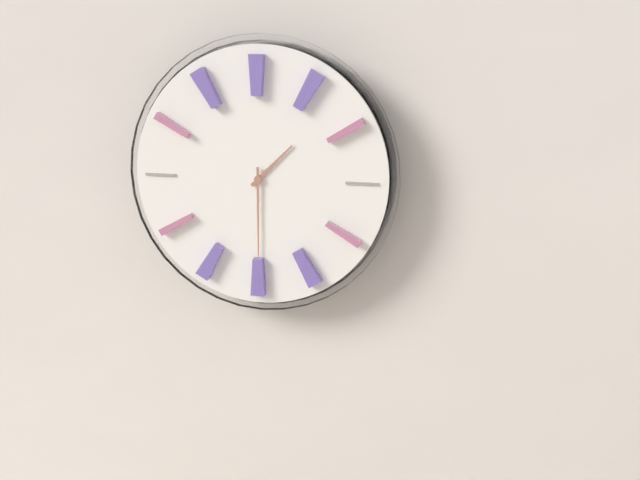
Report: {"hour": 1, "minute": 30}
